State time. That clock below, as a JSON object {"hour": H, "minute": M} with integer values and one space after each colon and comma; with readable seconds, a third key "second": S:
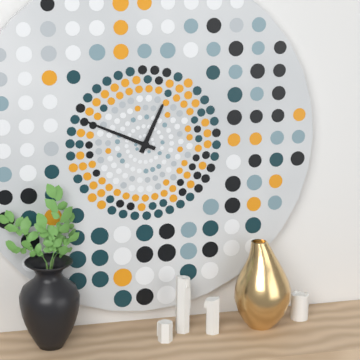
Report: {"hour": 12, "minute": 49}
